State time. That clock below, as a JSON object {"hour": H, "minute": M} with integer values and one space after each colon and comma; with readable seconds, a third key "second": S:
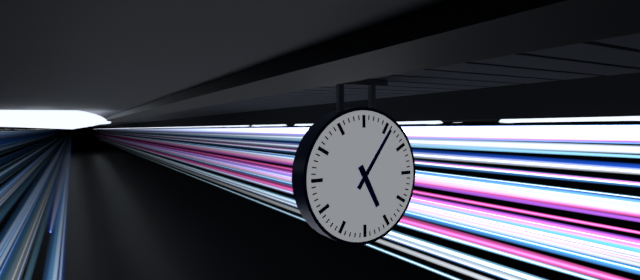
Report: {"hour": 5, "minute": 6}
